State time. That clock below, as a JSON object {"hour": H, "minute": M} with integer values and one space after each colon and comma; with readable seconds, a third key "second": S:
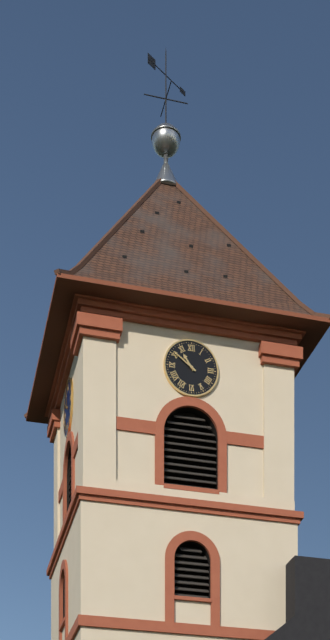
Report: {"hour": 10, "minute": 51}
